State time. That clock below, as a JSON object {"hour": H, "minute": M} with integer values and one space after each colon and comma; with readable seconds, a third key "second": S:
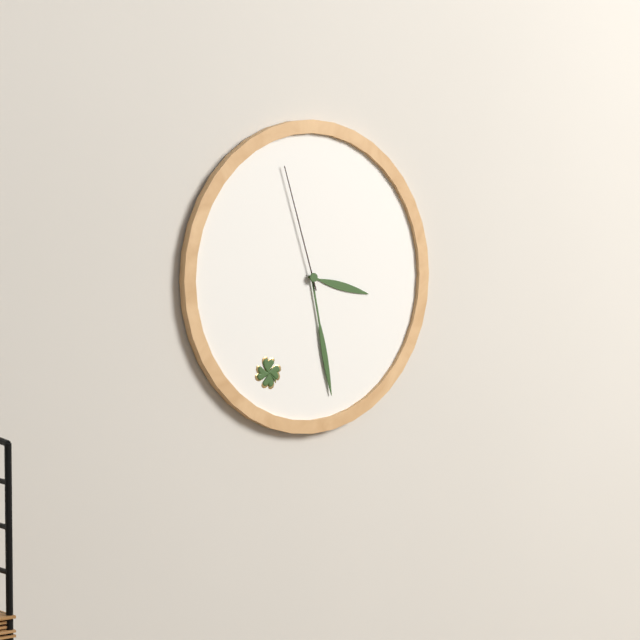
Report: {"hour": 3, "minute": 28, "second": 57}
